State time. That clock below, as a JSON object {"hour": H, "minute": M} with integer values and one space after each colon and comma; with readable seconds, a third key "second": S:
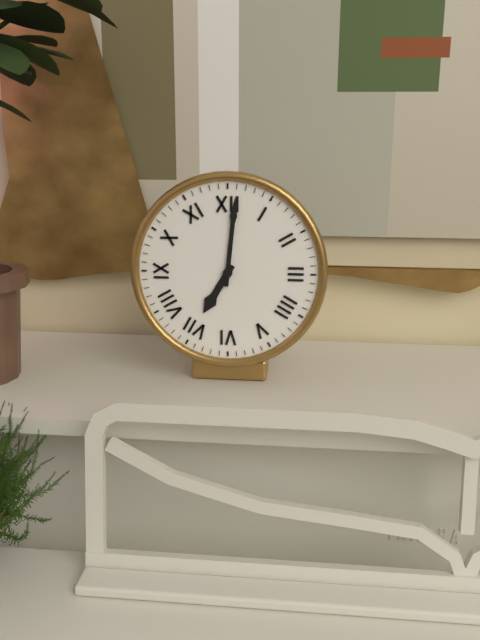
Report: {"hour": 7, "minute": 1}
